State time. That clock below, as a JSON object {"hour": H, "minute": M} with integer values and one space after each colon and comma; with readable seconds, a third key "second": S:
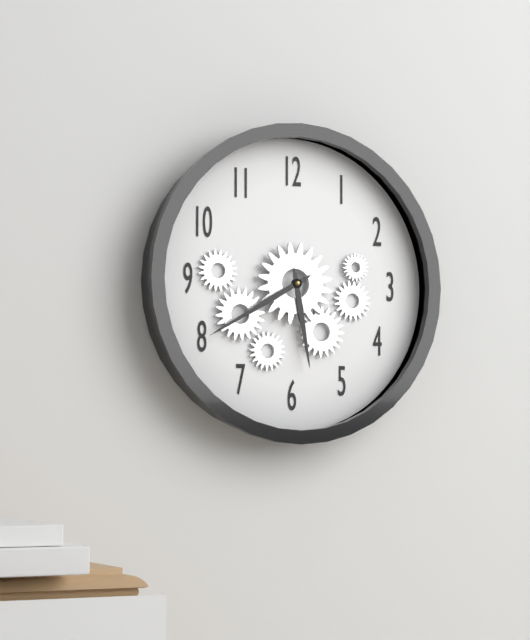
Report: {"hour": 5, "minute": 40}
